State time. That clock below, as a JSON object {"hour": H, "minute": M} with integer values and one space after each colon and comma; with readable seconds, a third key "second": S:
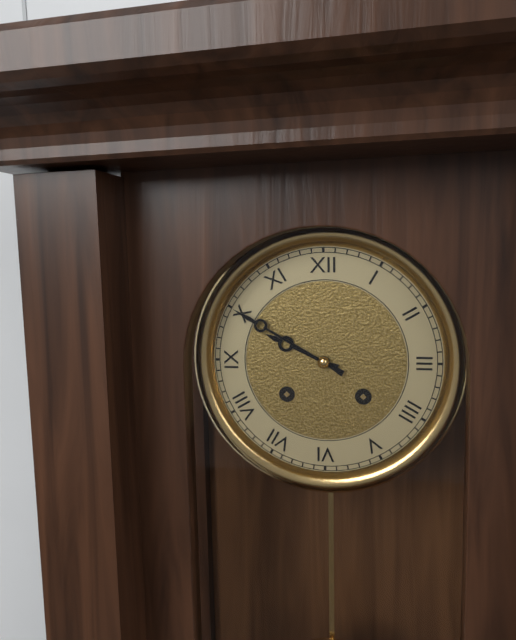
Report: {"hour": 9, "minute": 50}
